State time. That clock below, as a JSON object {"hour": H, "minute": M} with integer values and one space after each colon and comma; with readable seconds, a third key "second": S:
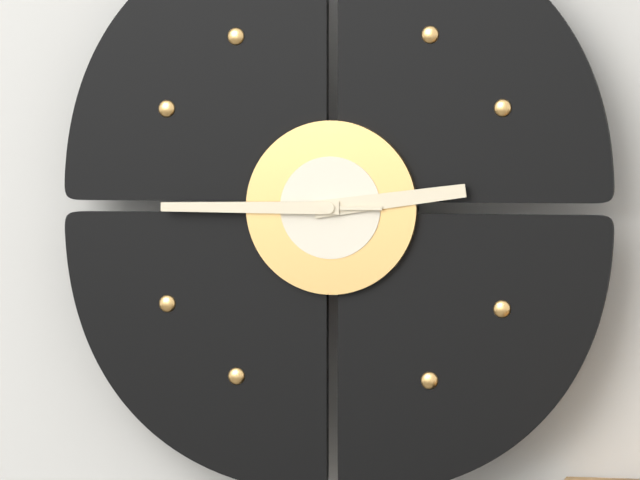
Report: {"hour": 2, "minute": 45}
